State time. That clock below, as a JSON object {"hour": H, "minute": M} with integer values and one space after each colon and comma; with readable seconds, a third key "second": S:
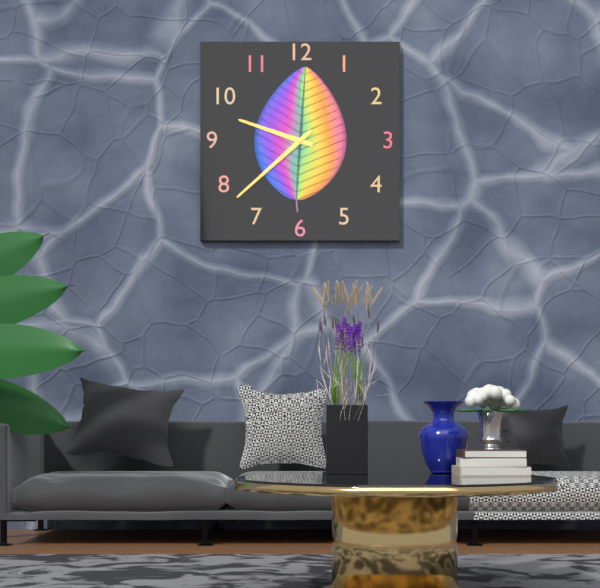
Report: {"hour": 9, "minute": 38}
